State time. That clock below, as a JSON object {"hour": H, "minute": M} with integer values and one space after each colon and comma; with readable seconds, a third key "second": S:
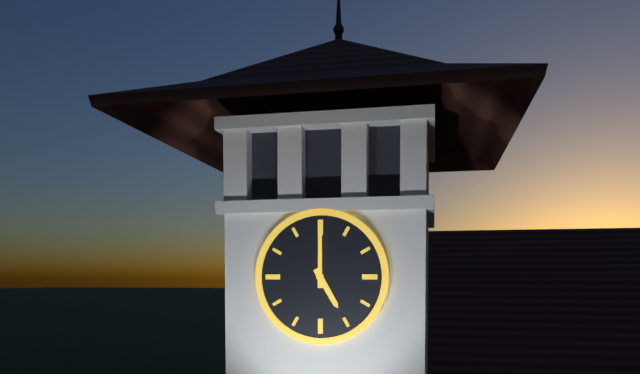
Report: {"hour": 5, "minute": 0}
